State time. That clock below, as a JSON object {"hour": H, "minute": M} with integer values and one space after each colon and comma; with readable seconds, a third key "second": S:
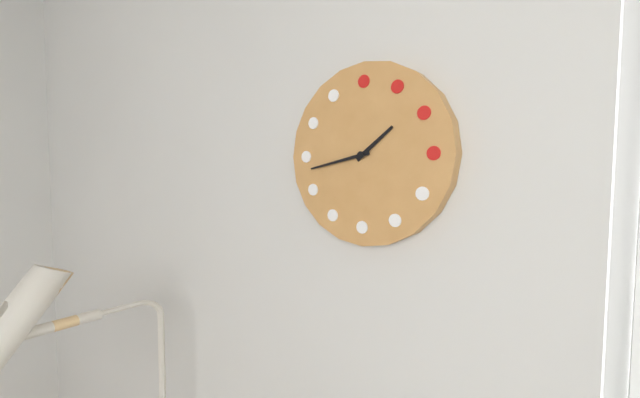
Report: {"hour": 1, "minute": 43}
